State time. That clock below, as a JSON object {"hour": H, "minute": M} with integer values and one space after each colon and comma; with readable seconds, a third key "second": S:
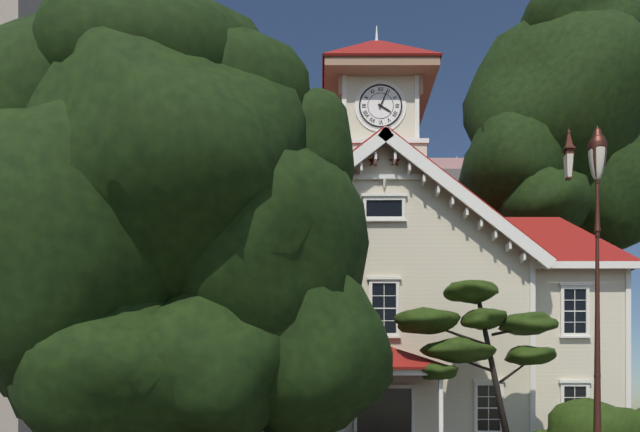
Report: {"hour": 4, "minute": 4}
